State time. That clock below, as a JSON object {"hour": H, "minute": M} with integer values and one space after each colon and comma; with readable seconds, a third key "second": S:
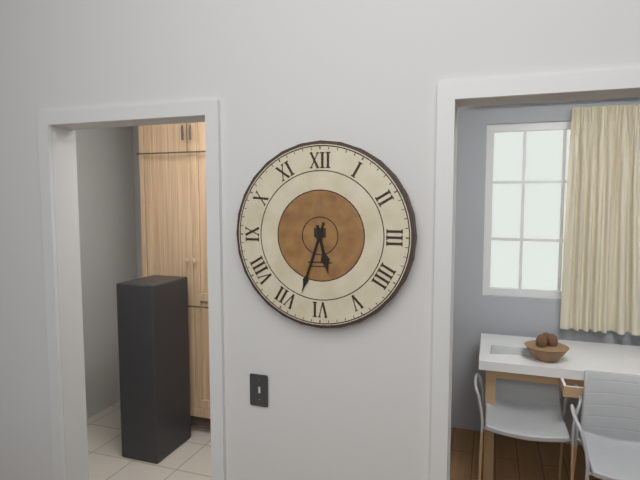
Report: {"hour": 5, "minute": 33}
